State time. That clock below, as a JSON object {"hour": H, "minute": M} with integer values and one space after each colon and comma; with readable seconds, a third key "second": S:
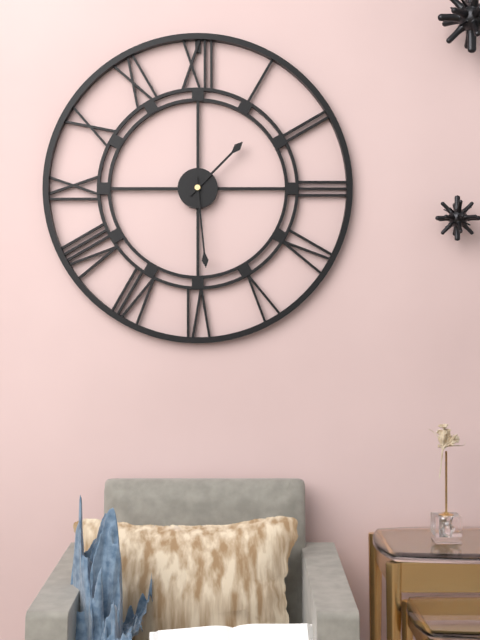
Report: {"hour": 1, "minute": 29}
